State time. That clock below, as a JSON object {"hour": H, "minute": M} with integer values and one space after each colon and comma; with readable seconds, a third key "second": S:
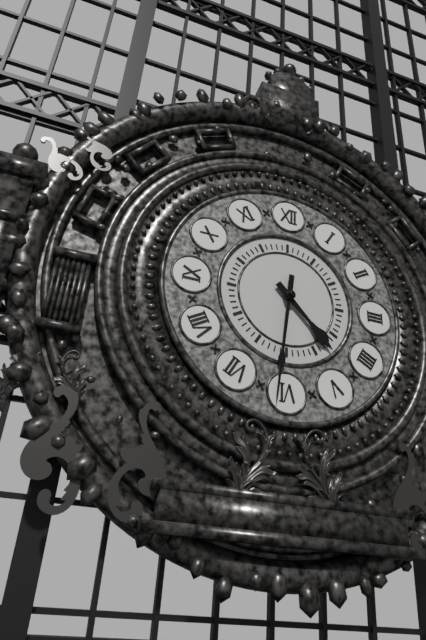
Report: {"hour": 4, "minute": 31}
